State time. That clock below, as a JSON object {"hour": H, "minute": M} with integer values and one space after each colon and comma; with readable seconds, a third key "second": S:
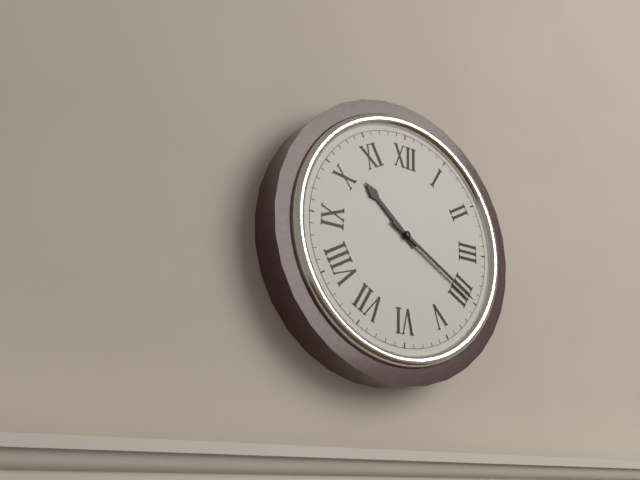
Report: {"hour": 10, "minute": 20}
